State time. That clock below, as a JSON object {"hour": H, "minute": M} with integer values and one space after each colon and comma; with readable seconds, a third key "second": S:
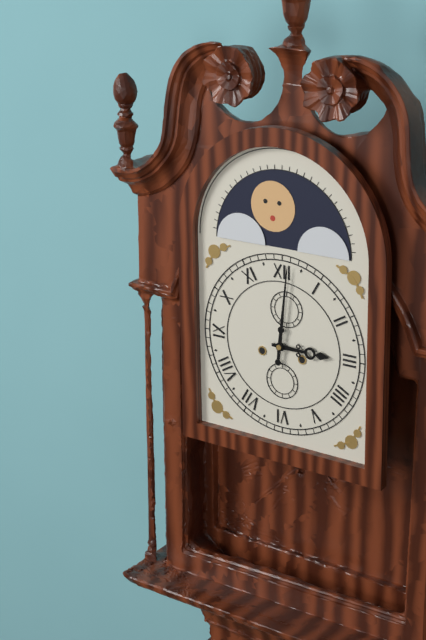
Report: {"hour": 3, "minute": 1}
